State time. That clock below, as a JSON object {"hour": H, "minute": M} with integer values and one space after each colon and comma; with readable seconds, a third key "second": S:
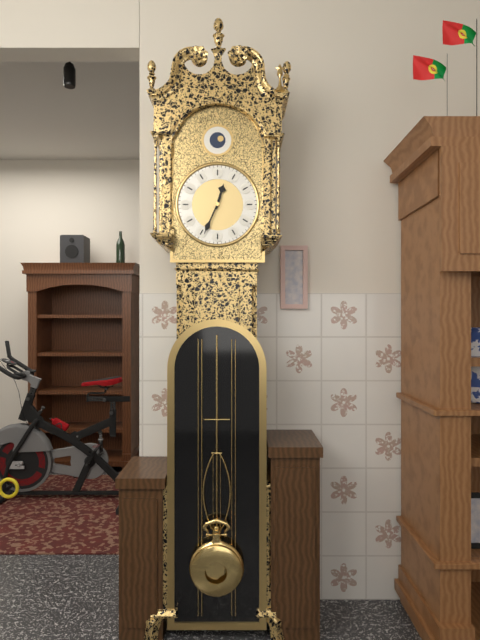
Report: {"hour": 12, "minute": 34}
